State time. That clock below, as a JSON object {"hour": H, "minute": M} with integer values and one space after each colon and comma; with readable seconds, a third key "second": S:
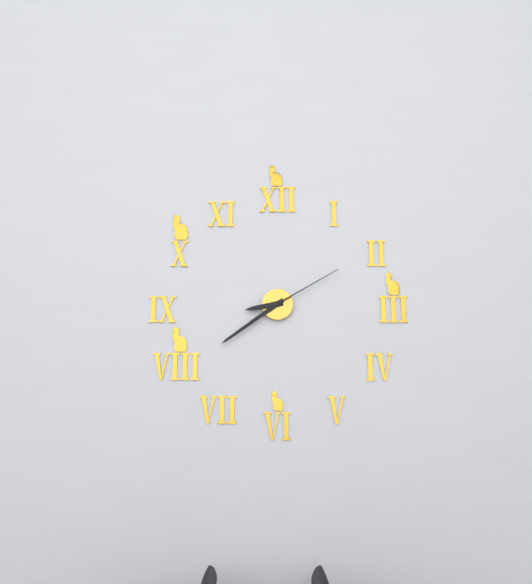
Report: {"hour": 8, "minute": 39, "second": 10}
